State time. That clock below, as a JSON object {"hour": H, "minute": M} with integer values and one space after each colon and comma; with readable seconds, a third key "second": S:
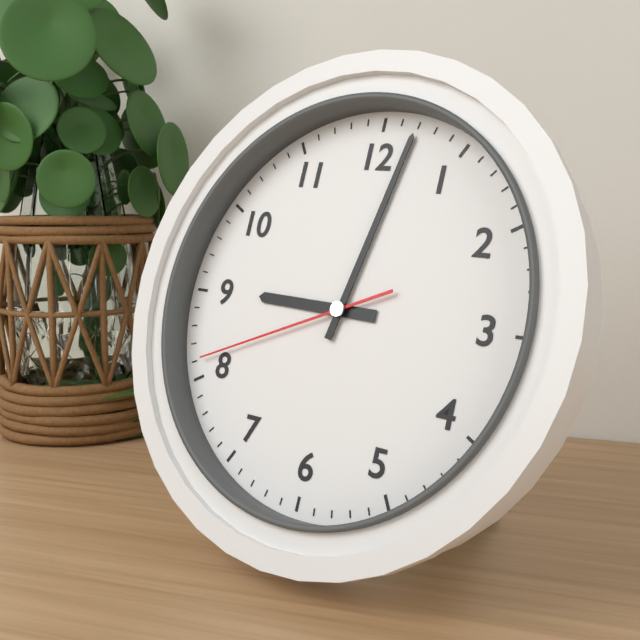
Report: {"hour": 9, "minute": 2, "second": 41}
